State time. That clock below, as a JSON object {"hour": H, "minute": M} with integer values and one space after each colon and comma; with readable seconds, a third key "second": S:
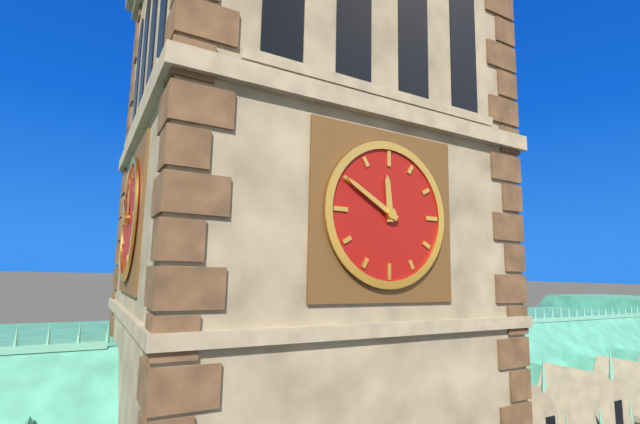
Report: {"hour": 11, "minute": 50}
